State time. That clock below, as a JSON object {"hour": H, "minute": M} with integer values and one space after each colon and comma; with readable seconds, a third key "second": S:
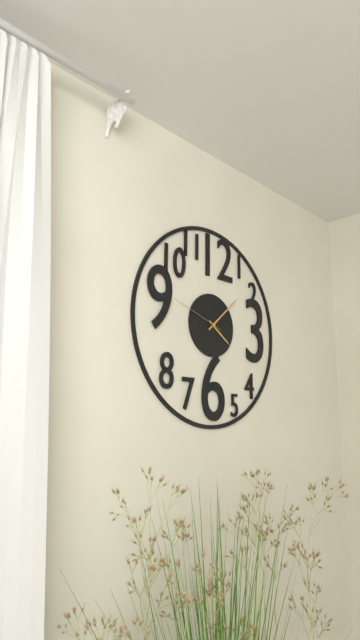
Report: {"hour": 4, "minute": 8, "second": 48}
